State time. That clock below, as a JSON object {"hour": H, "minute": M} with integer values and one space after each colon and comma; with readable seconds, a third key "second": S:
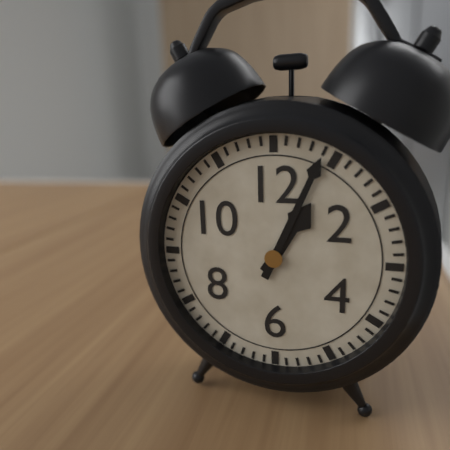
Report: {"hour": 1, "minute": 4}
